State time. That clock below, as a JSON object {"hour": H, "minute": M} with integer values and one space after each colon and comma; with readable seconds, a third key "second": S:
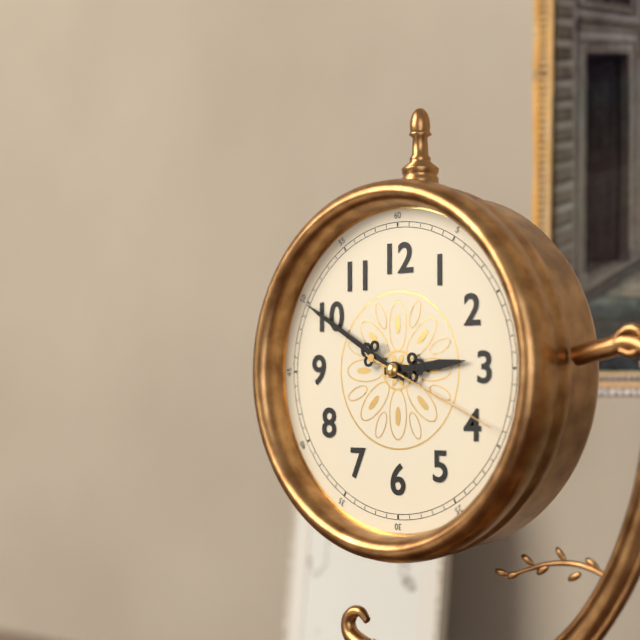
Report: {"hour": 2, "minute": 50, "second": 19}
